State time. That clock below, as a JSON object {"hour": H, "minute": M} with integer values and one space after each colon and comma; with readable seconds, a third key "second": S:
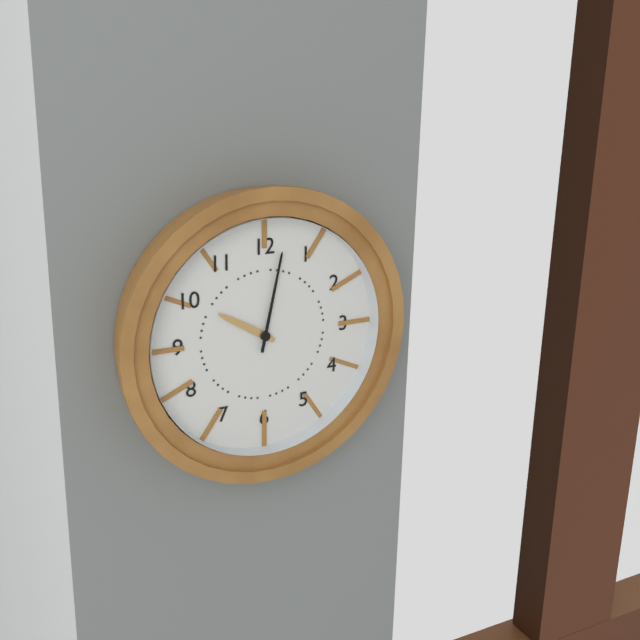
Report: {"hour": 10, "minute": 2}
